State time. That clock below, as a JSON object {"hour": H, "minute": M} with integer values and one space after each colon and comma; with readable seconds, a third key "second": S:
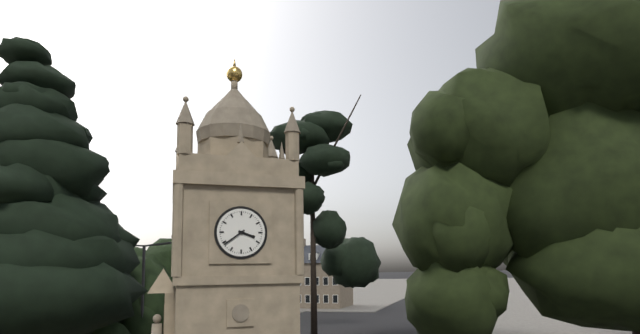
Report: {"hour": 3, "minute": 39}
